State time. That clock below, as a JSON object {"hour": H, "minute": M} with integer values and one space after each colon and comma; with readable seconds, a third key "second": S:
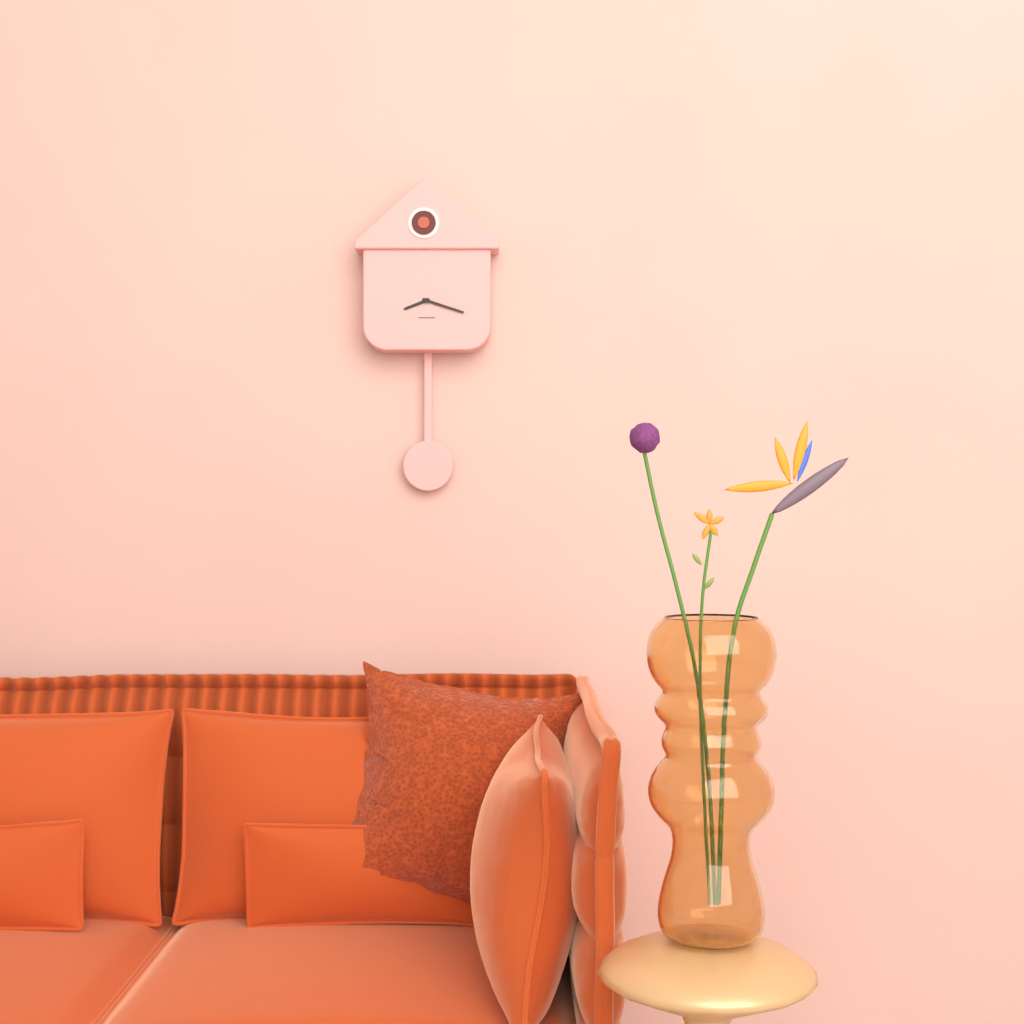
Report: {"hour": 8, "minute": 18}
